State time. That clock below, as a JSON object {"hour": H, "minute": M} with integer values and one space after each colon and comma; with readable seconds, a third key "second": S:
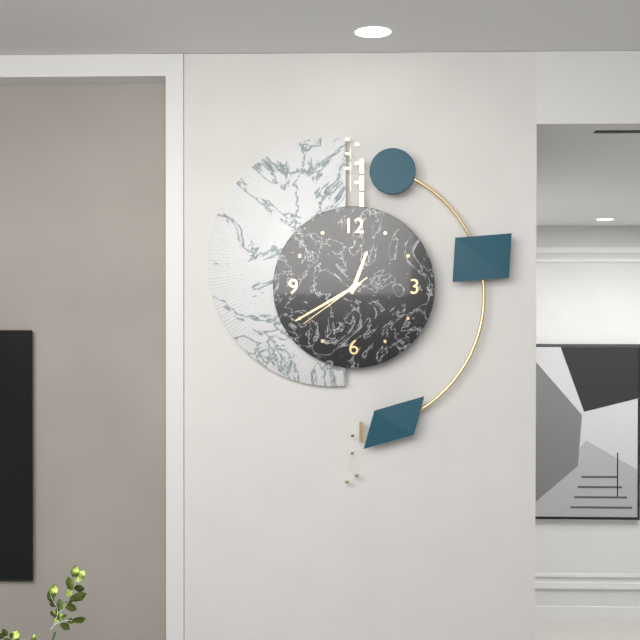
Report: {"hour": 12, "minute": 40, "second": 39}
